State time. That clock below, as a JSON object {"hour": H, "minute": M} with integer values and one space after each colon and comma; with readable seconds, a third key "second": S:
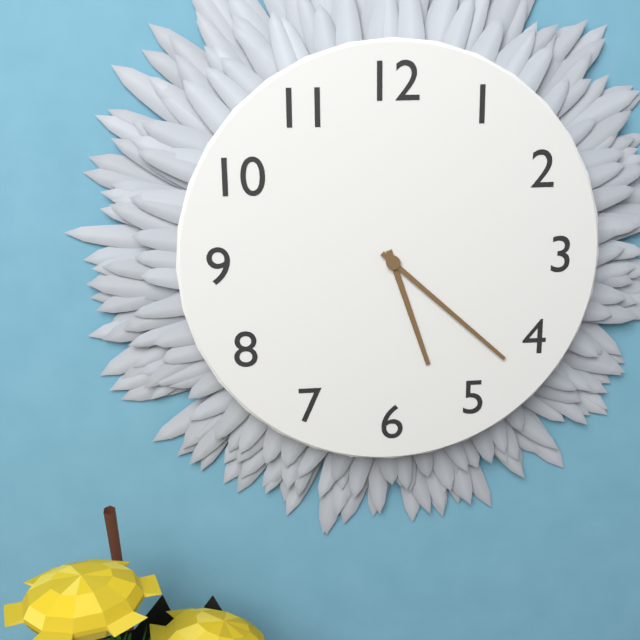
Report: {"hour": 5, "minute": 22}
